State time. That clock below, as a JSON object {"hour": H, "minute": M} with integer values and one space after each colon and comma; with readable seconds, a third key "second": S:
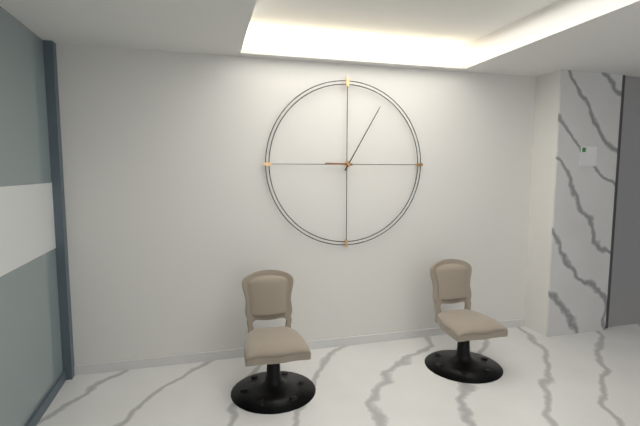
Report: {"hour": 9, "minute": 5}
